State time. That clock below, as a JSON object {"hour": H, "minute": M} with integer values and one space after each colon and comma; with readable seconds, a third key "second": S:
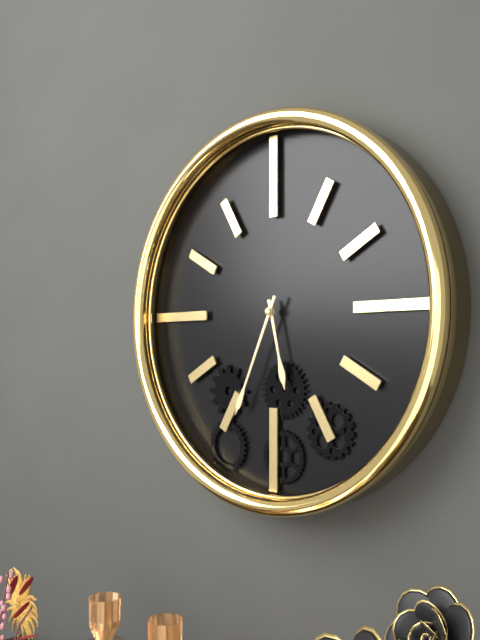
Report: {"hour": 5, "minute": 34}
